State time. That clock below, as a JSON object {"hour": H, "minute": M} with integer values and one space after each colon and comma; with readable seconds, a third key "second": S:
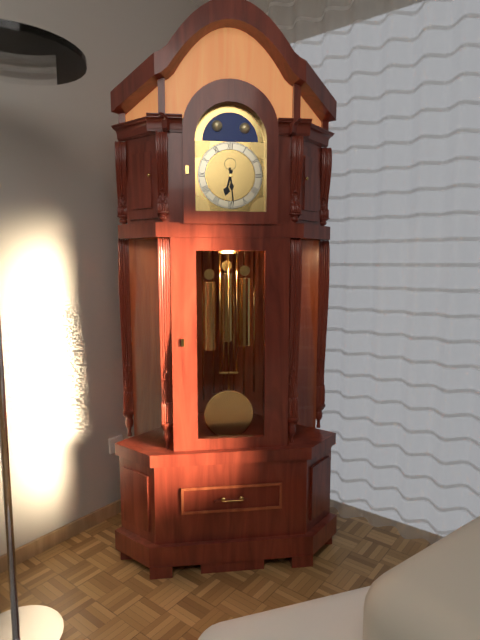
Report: {"hour": 6, "minute": 29}
